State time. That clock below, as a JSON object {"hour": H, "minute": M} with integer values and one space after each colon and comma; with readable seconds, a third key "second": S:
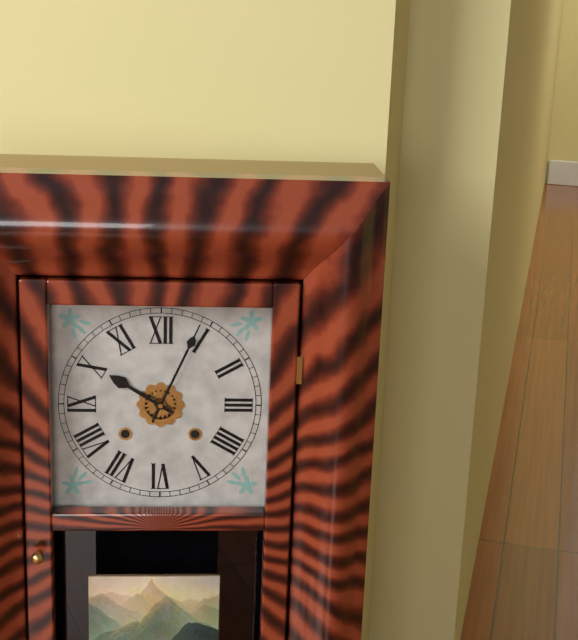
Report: {"hour": 10, "minute": 4}
